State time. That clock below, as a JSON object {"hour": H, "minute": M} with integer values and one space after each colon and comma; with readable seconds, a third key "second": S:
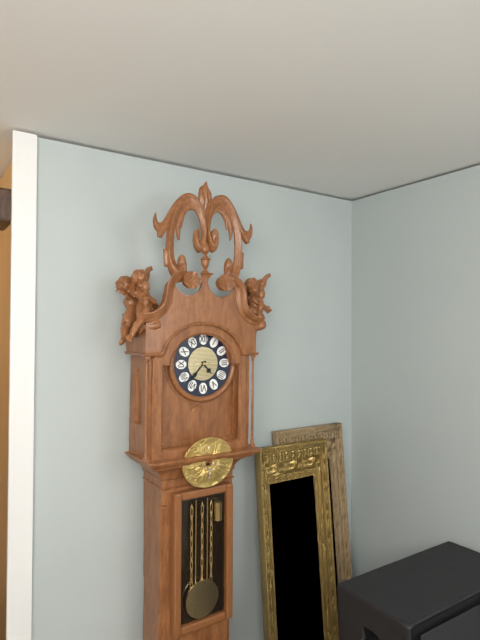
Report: {"hour": 4, "minute": 37}
